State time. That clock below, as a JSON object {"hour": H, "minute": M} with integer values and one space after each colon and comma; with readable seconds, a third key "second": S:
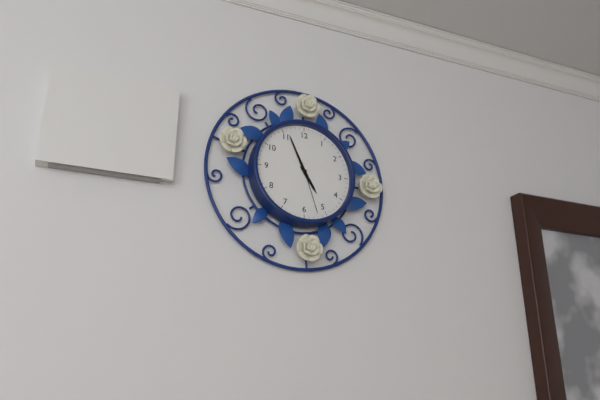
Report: {"hour": 4, "minute": 56, "second": 27}
